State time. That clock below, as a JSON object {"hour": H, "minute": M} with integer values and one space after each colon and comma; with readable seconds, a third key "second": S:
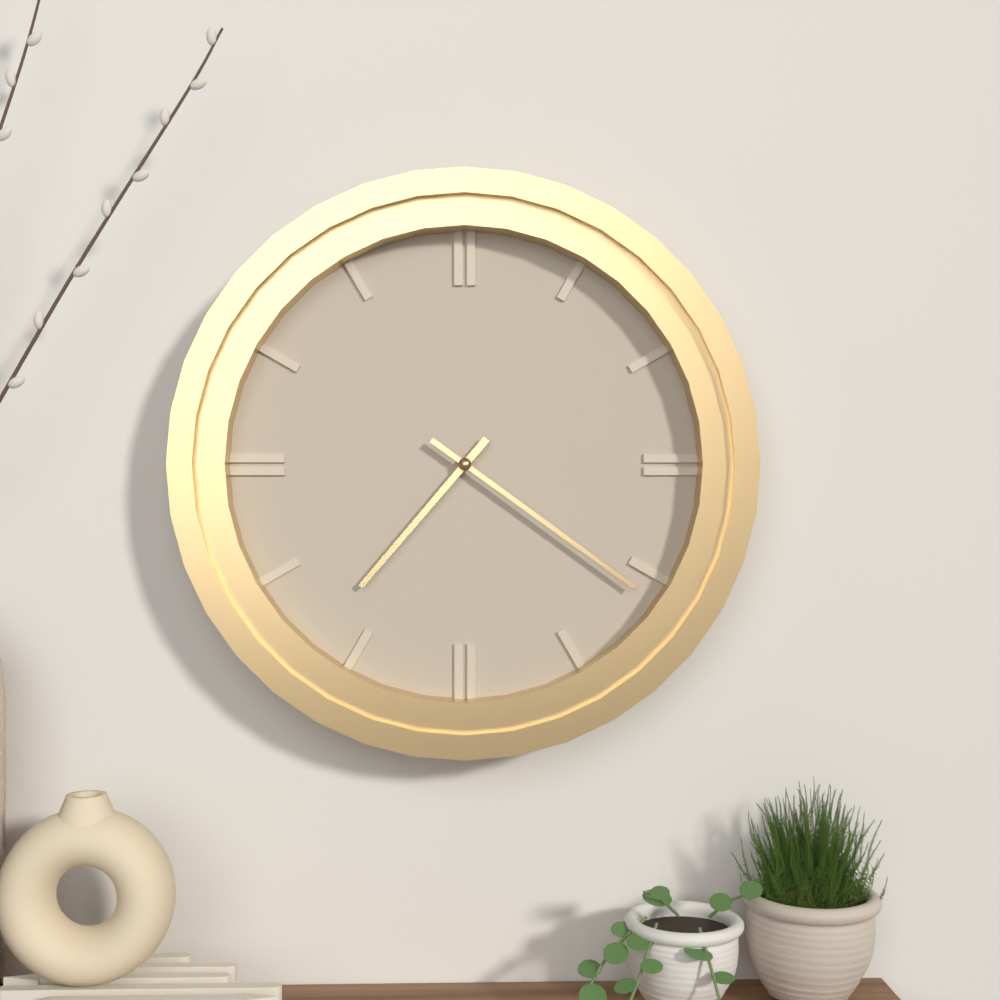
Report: {"hour": 7, "minute": 21}
